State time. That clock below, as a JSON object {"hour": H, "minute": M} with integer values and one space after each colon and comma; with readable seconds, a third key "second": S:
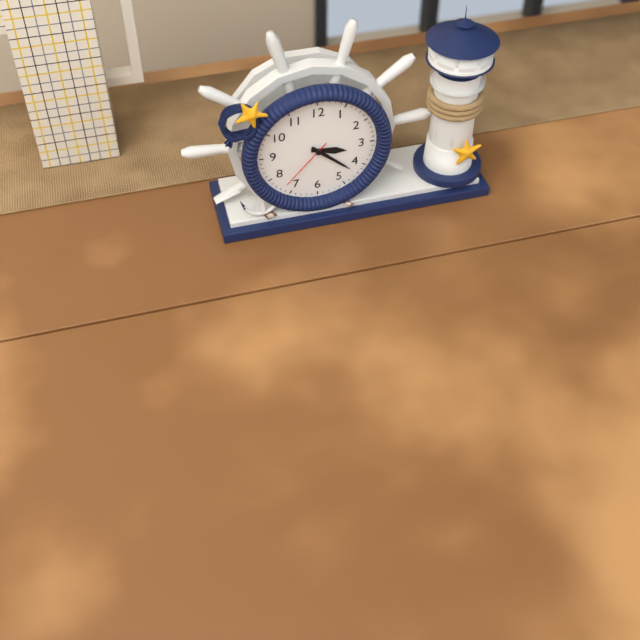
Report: {"hour": 3, "minute": 22, "second": 37}
